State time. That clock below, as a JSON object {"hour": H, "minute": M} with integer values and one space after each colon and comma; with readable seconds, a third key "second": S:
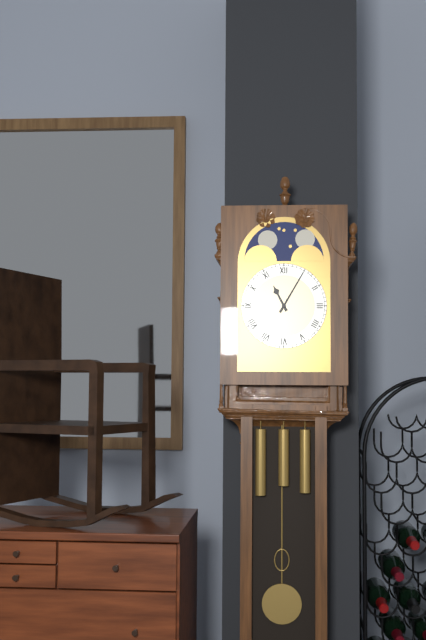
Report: {"hour": 11, "minute": 5}
